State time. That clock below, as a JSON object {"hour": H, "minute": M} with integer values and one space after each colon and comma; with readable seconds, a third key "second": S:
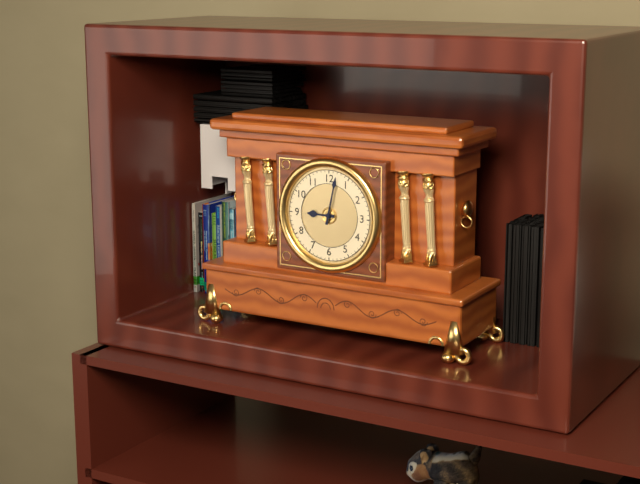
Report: {"hour": 9, "minute": 2}
